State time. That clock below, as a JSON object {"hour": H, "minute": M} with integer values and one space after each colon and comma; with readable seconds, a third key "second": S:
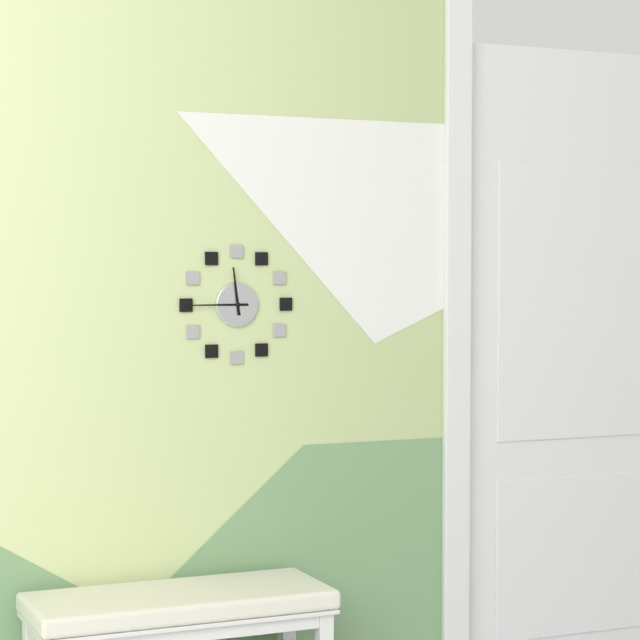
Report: {"hour": 11, "minute": 45}
